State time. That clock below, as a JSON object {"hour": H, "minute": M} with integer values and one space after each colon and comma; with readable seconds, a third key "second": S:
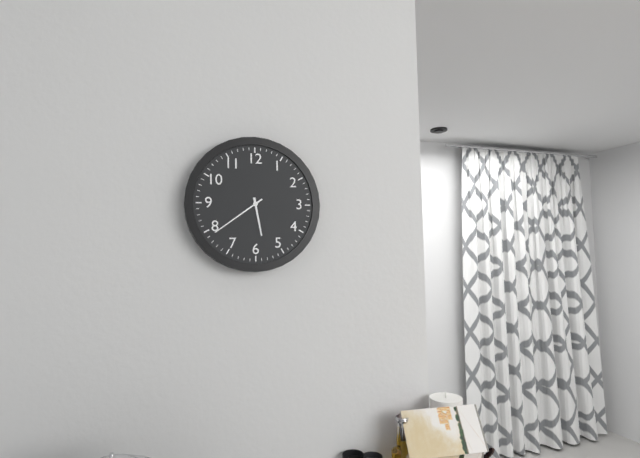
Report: {"hour": 5, "minute": 39}
